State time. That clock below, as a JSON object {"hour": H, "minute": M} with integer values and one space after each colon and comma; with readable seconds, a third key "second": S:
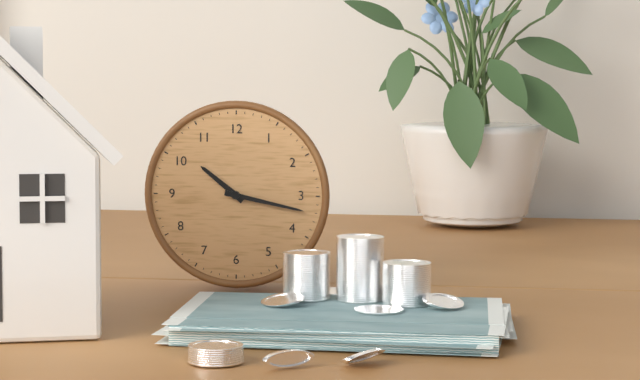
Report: {"hour": 10, "minute": 17}
